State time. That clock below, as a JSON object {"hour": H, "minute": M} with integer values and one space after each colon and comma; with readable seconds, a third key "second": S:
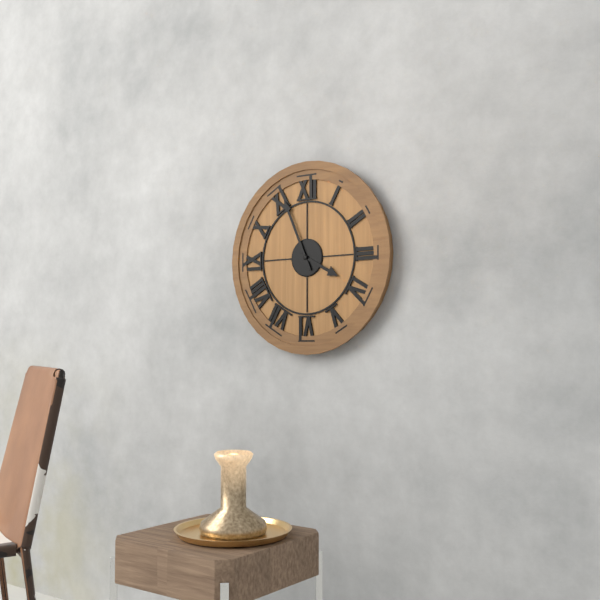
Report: {"hour": 3, "minute": 56}
